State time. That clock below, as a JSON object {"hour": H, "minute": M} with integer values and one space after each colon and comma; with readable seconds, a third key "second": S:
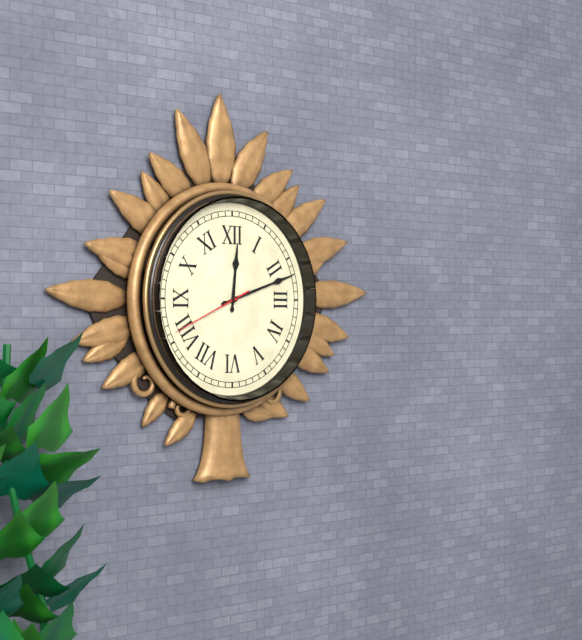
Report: {"hour": 12, "minute": 12, "second": 41}
